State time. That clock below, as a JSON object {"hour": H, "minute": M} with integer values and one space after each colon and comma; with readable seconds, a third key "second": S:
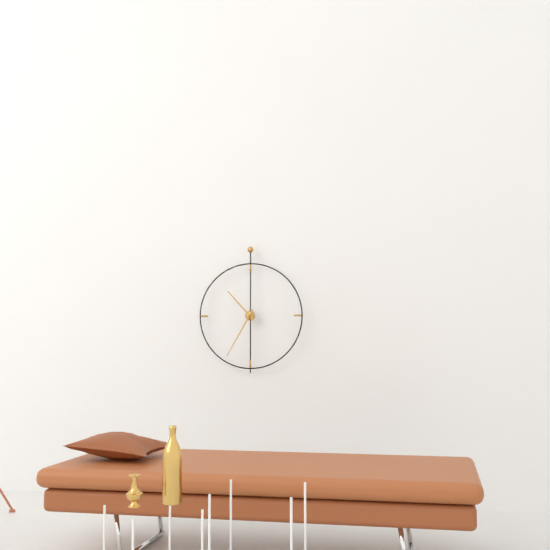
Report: {"hour": 10, "minute": 35}
